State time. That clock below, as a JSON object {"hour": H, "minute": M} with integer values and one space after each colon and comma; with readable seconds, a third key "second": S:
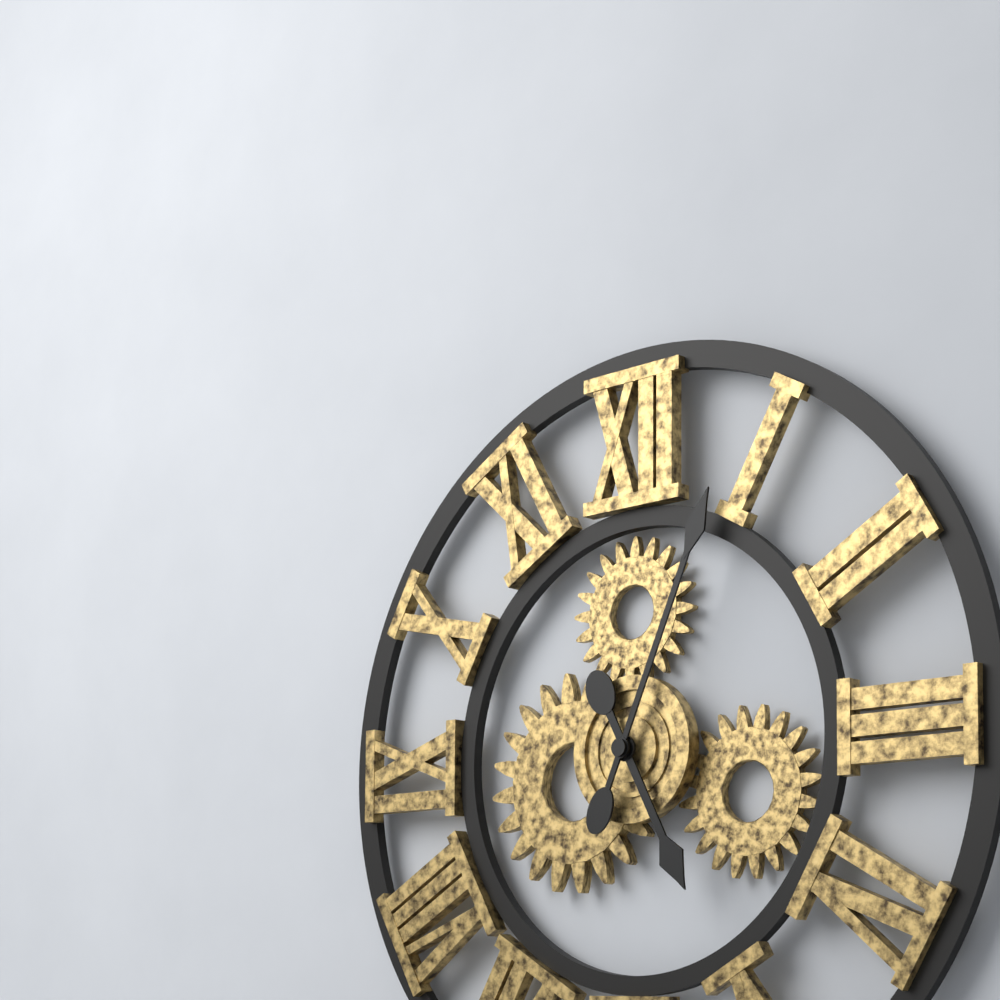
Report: {"hour": 5, "minute": 4}
